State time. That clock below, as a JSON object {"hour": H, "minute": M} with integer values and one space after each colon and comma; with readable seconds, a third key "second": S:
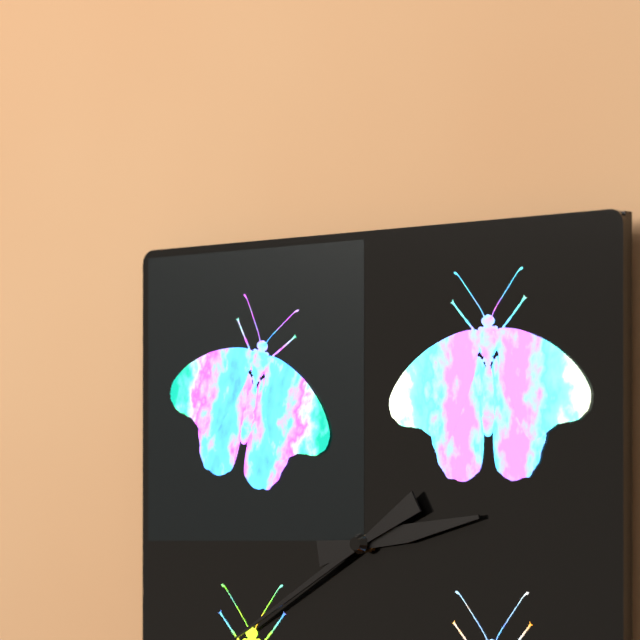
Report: {"hour": 2, "minute": 40}
